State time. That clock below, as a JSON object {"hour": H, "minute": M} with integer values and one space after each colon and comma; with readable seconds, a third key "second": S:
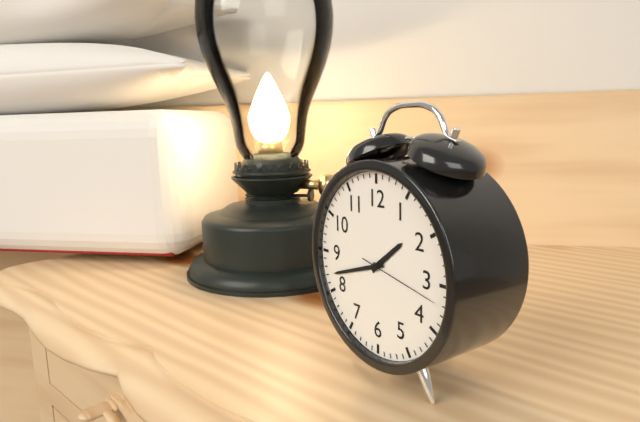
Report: {"hour": 1, "minute": 42, "second": 17}
